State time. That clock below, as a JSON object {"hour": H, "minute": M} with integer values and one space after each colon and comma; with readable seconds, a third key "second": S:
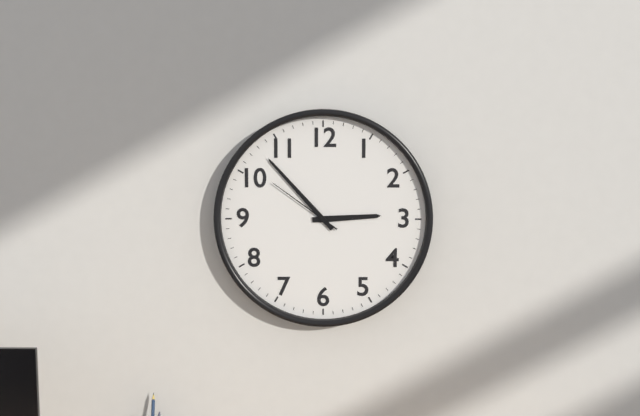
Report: {"hour": 2, "minute": 53, "second": 51}
